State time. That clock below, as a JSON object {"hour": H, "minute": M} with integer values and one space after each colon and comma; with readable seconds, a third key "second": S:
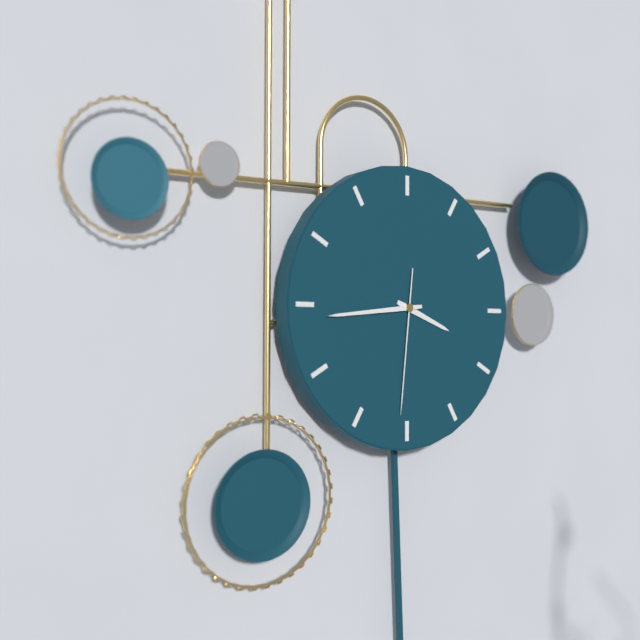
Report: {"hour": 3, "minute": 44, "second": 31}
